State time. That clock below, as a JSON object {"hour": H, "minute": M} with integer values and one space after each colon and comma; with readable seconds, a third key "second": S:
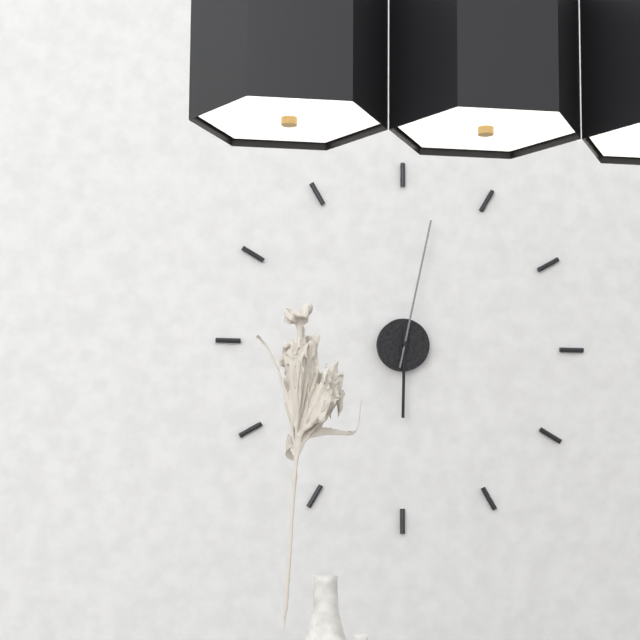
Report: {"hour": 6, "minute": 2}
